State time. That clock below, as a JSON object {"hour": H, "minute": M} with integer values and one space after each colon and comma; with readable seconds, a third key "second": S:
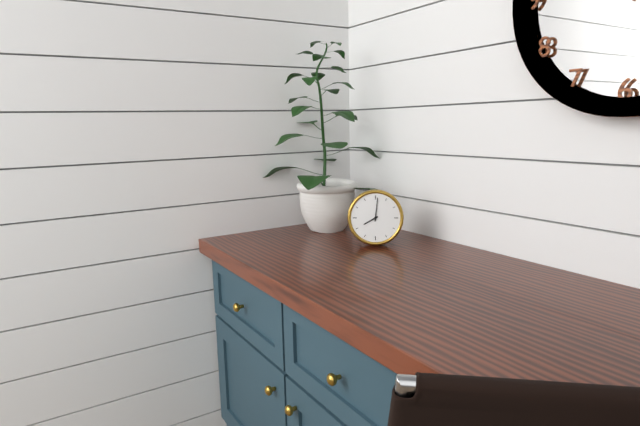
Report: {"hour": 8, "minute": 1}
